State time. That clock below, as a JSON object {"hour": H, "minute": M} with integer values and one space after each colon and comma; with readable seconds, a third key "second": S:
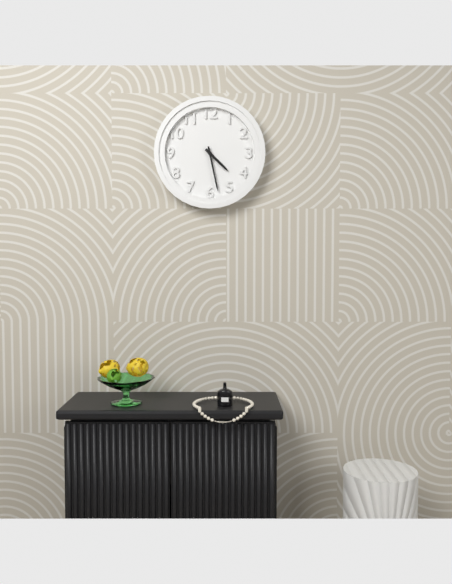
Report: {"hour": 4, "minute": 28}
